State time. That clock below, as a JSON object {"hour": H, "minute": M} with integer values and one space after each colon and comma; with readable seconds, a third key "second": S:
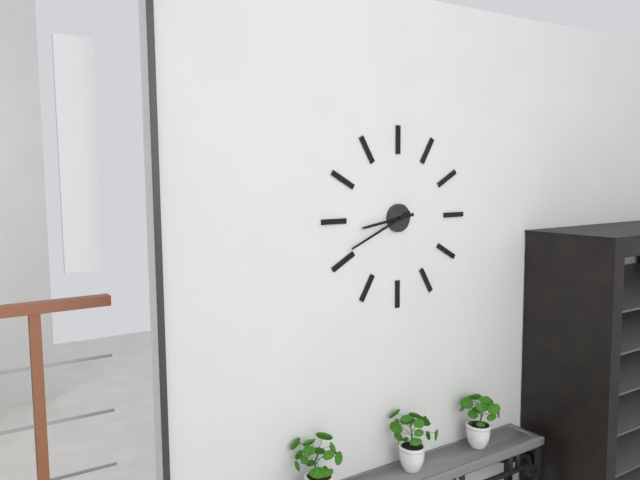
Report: {"hour": 8, "minute": 41}
